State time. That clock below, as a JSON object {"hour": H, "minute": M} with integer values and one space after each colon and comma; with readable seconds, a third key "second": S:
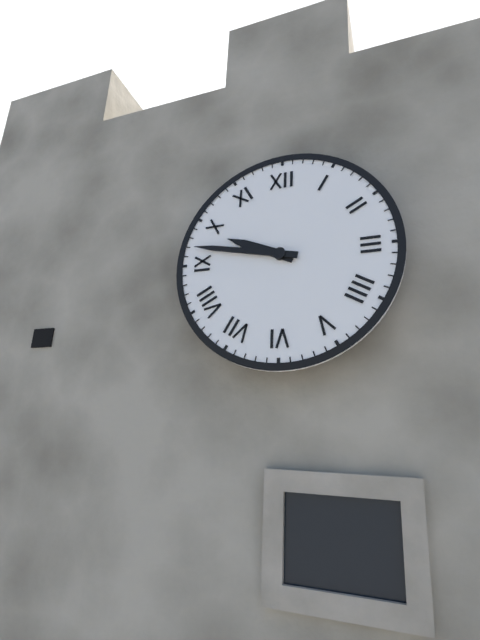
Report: {"hour": 9, "minute": 47}
